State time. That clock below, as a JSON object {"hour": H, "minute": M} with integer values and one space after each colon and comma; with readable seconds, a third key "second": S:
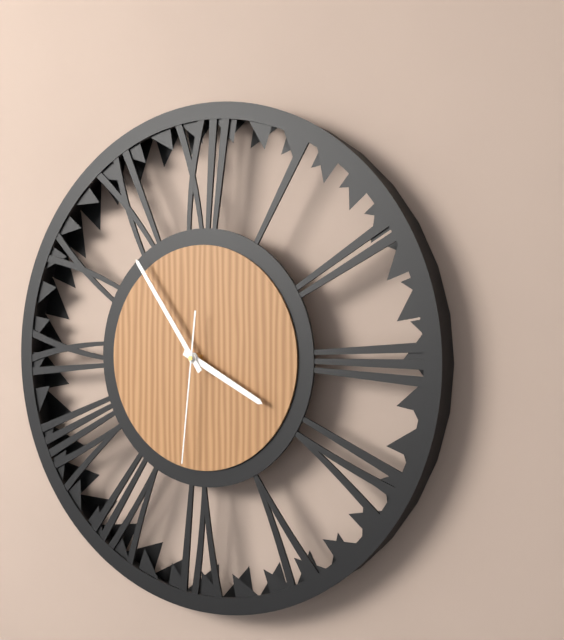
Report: {"hour": 3, "minute": 54, "second": 31}
